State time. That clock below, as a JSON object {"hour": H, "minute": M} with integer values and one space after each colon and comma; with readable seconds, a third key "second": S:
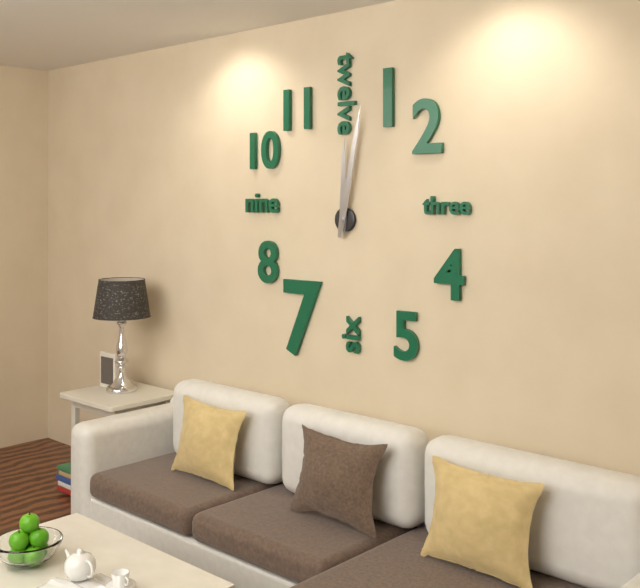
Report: {"hour": 12, "minute": 2}
